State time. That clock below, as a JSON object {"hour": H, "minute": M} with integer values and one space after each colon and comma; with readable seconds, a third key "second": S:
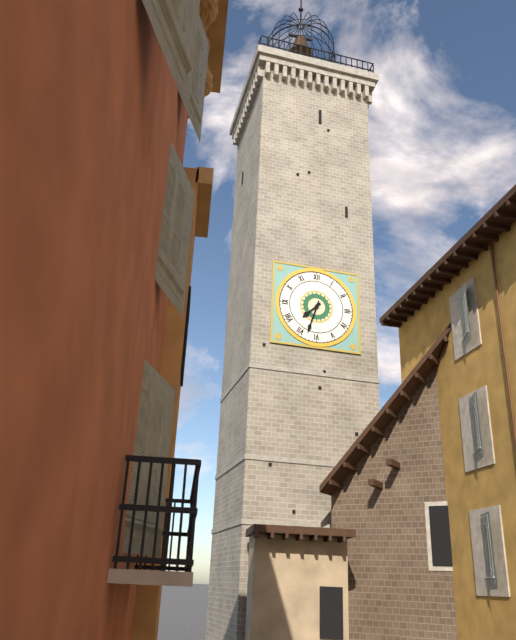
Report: {"hour": 7, "minute": 33}
